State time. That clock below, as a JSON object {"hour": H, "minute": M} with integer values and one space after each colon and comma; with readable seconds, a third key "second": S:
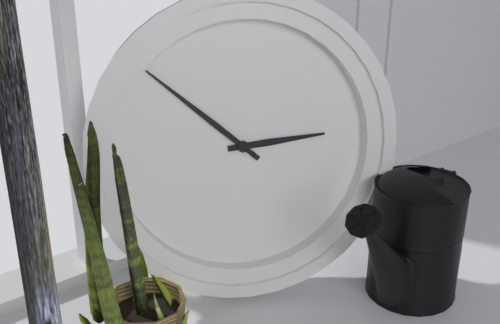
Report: {"hour": 2, "minute": 52}
